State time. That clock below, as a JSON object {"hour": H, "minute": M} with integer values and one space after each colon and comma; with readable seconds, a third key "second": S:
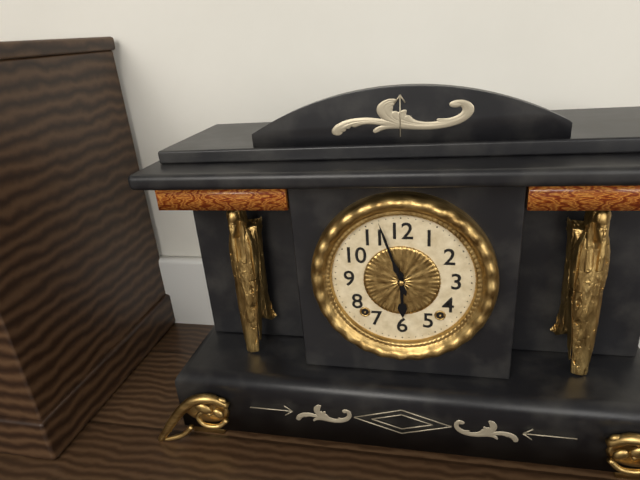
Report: {"hour": 5, "minute": 57}
